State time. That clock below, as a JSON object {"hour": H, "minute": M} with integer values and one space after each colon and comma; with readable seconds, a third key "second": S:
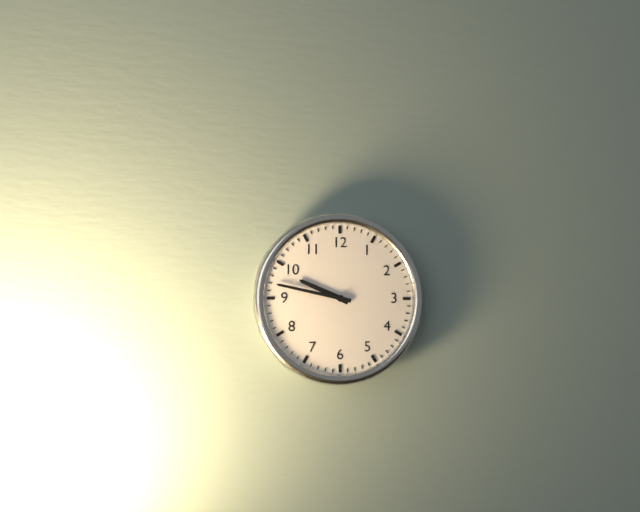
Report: {"hour": 9, "minute": 47}
